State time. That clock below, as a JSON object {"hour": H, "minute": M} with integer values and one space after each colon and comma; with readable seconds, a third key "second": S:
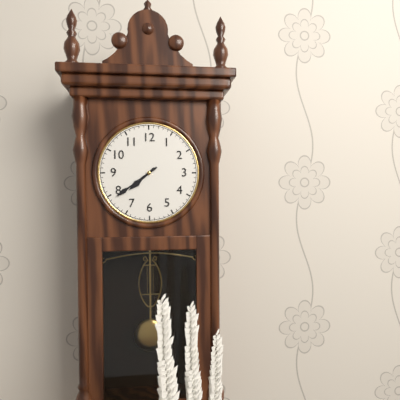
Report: {"hour": 7, "minute": 39}
